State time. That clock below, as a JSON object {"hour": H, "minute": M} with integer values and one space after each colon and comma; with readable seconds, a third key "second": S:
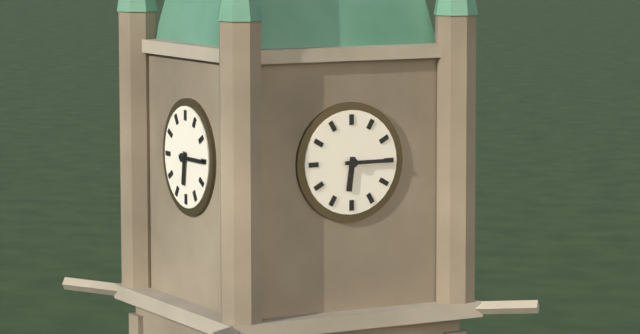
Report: {"hour": 6, "minute": 15}
